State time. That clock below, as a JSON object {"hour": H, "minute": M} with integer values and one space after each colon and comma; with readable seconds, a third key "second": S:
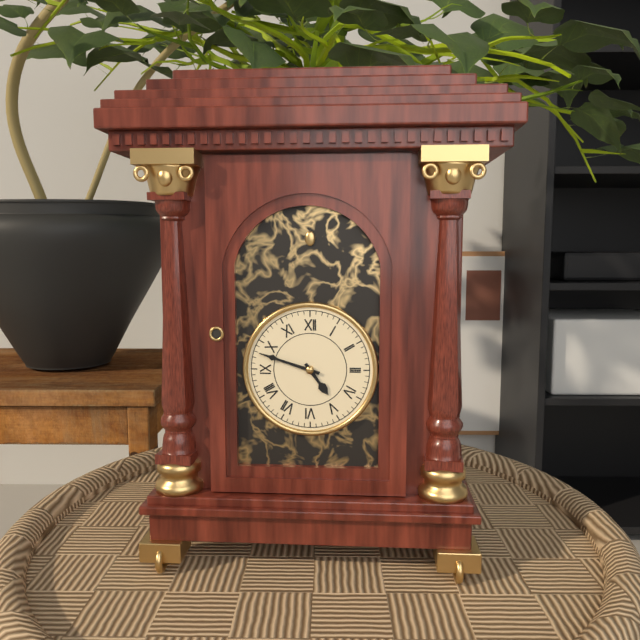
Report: {"hour": 4, "minute": 48}
